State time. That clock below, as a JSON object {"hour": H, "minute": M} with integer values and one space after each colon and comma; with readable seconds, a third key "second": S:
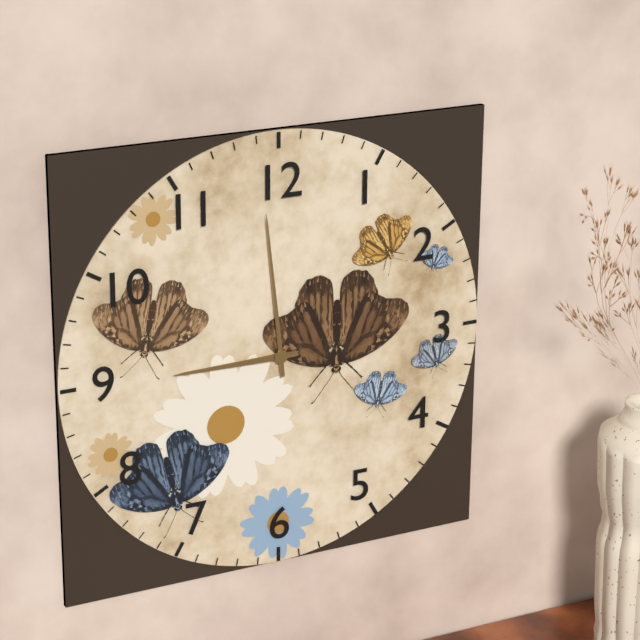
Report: {"hour": 8, "minute": 59}
